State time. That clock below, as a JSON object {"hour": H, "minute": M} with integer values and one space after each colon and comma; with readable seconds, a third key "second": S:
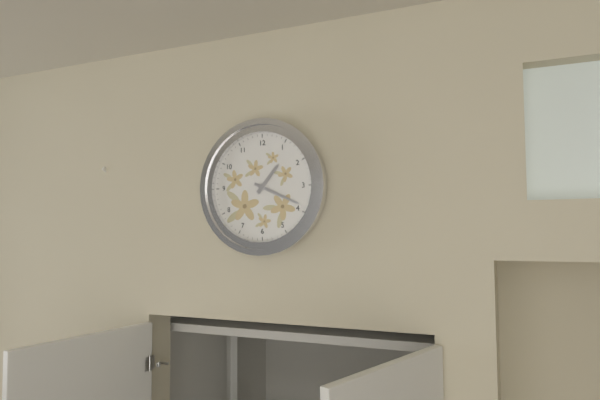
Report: {"hour": 1, "minute": 19}
